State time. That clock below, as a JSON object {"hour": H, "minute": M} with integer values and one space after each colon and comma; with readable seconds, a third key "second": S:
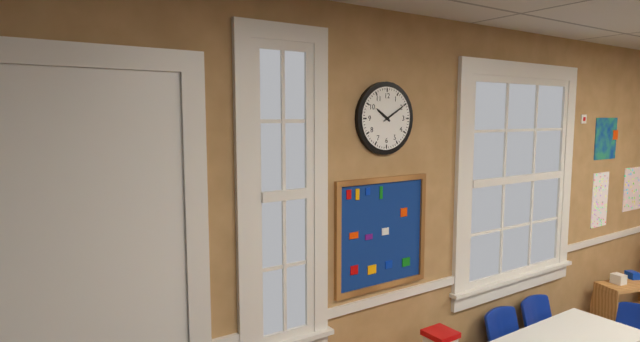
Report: {"hour": 10, "minute": 10}
